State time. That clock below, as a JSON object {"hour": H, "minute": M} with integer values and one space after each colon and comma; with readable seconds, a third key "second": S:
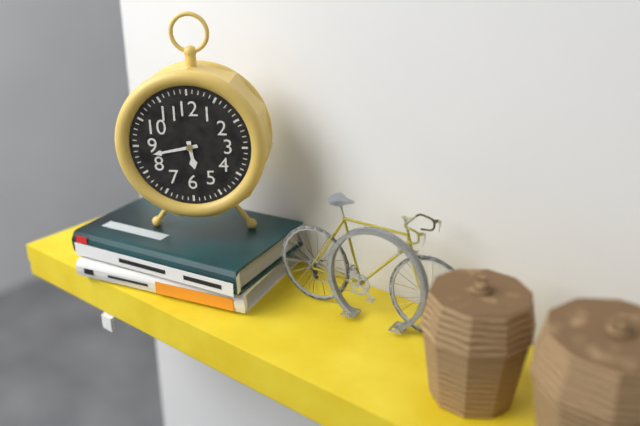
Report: {"hour": 5, "minute": 43}
